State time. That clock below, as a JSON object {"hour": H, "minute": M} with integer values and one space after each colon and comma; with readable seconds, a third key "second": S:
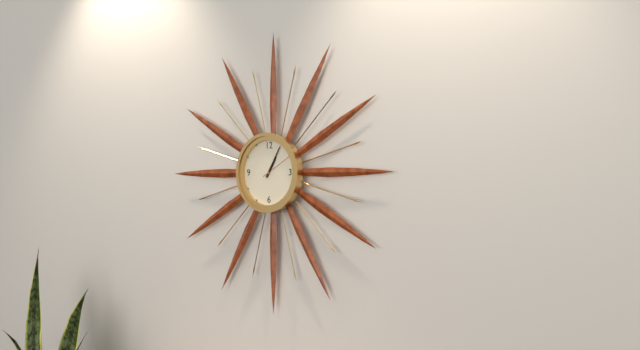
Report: {"hour": 1, "minute": 5}
